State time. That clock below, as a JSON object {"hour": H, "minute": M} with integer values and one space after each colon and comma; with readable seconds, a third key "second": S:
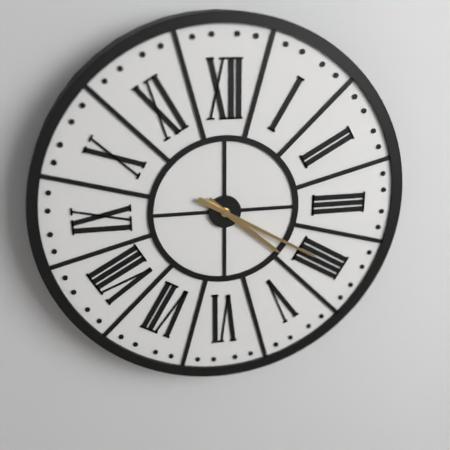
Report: {"hour": 4, "minute": 20}
